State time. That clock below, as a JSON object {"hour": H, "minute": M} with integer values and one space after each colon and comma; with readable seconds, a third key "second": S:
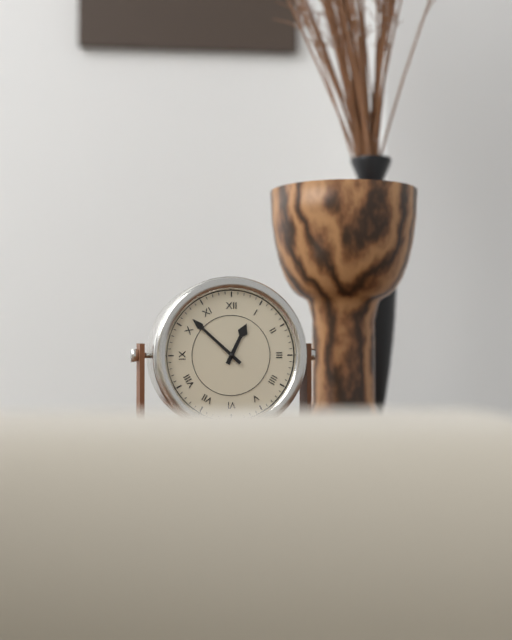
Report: {"hour": 12, "minute": 52}
